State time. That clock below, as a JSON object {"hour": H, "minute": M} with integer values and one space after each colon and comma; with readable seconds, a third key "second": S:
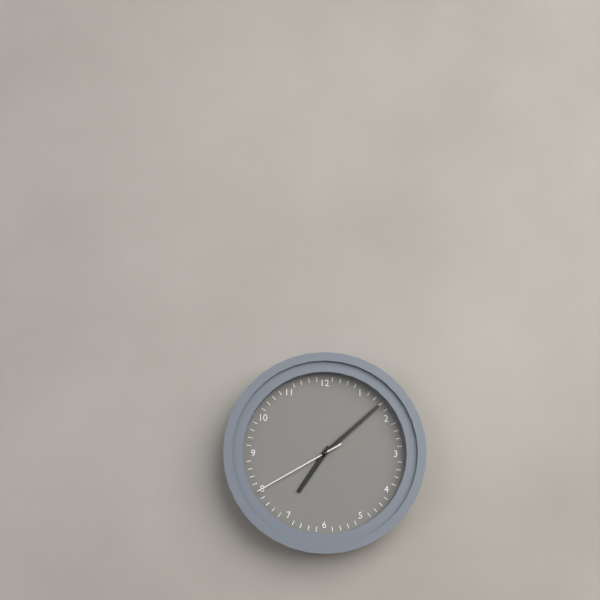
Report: {"hour": 7, "minute": 8, "second": 40}
